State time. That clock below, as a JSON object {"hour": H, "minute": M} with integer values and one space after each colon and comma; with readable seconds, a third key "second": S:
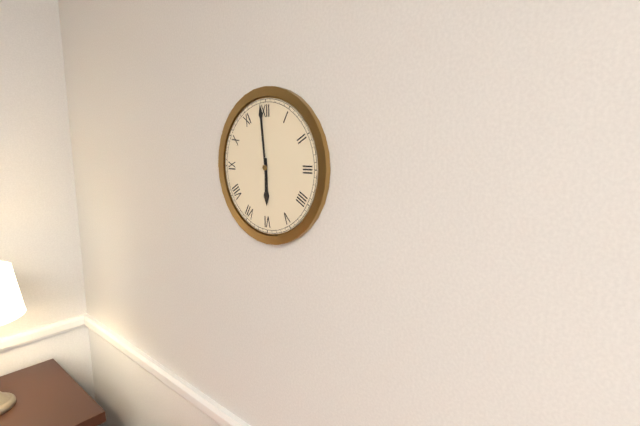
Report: {"hour": 5, "minute": 59}
